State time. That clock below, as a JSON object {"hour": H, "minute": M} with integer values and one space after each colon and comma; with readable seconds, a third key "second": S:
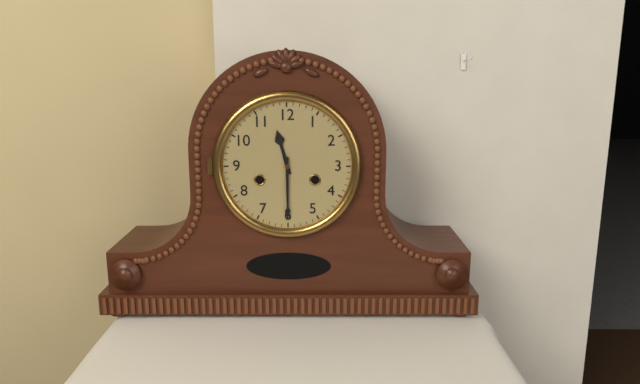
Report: {"hour": 11, "minute": 30}
